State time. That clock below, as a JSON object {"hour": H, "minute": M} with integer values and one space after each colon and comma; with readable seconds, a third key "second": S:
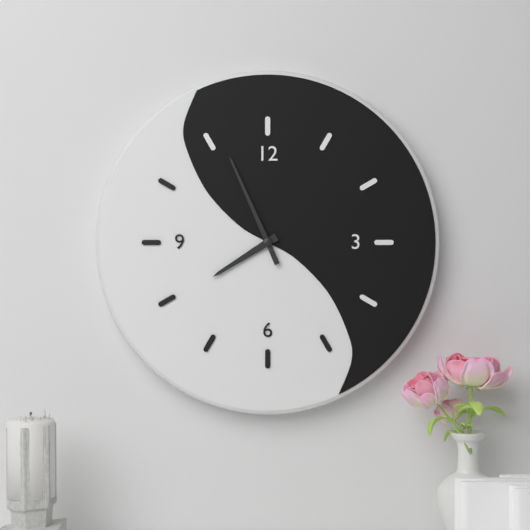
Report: {"hour": 7, "minute": 56}
